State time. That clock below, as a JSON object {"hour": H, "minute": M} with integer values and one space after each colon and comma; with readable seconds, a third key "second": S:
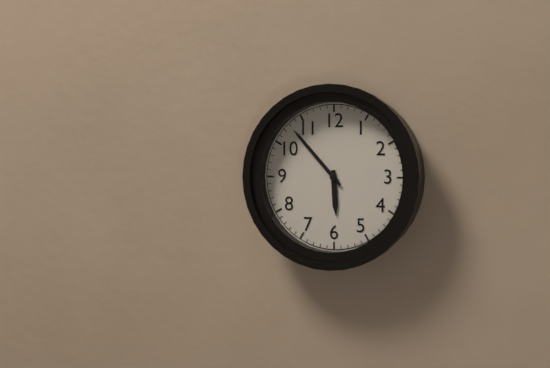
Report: {"hour": 5, "minute": 53}
